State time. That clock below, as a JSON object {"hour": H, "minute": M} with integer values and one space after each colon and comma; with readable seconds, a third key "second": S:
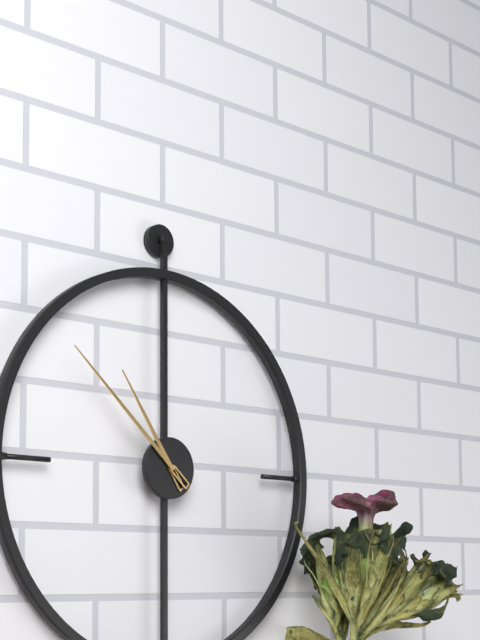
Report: {"hour": 10, "minute": 52}
